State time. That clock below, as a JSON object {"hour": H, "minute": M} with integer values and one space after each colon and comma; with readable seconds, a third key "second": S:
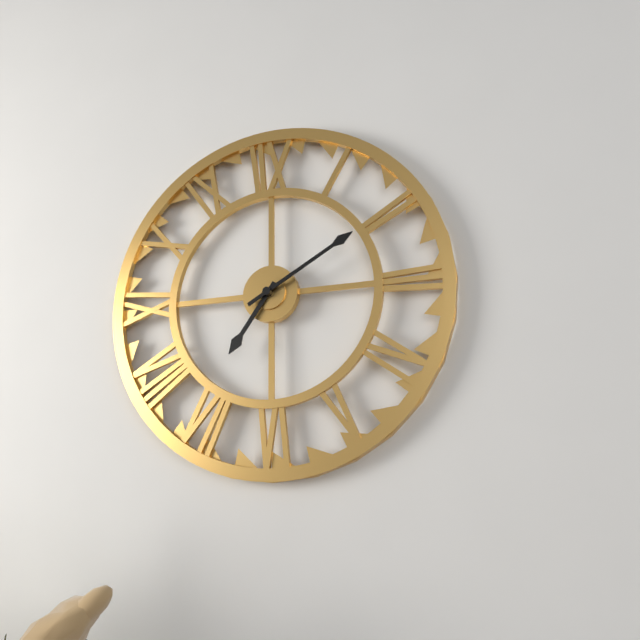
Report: {"hour": 7, "minute": 10}
